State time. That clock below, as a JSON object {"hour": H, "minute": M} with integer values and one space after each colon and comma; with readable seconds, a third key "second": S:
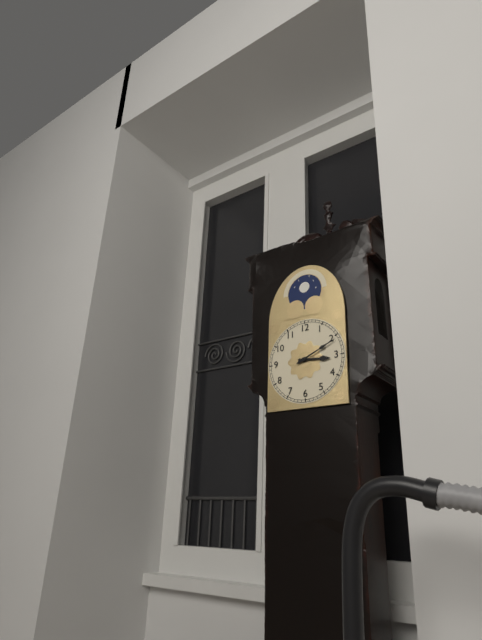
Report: {"hour": 3, "minute": 11}
